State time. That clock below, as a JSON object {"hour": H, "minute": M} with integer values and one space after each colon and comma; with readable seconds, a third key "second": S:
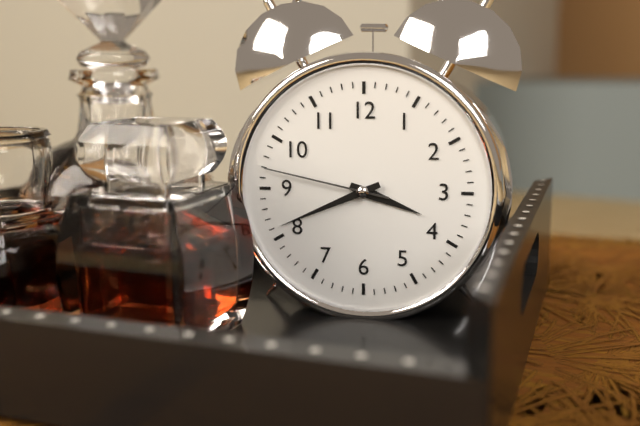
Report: {"hour": 3, "minute": 41, "second": 47}
